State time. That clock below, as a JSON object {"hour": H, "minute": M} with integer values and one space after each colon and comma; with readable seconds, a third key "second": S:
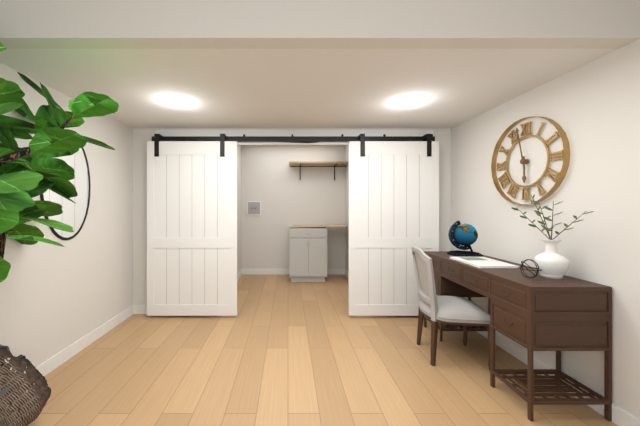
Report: {"hour": 5, "minute": 58}
